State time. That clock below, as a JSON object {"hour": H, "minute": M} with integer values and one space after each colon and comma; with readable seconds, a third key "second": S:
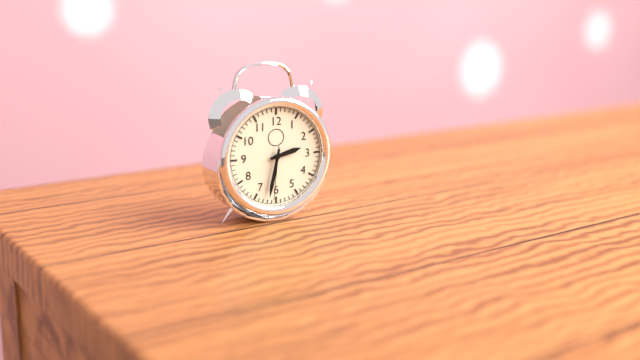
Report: {"hour": 2, "minute": 32, "second": 31}
